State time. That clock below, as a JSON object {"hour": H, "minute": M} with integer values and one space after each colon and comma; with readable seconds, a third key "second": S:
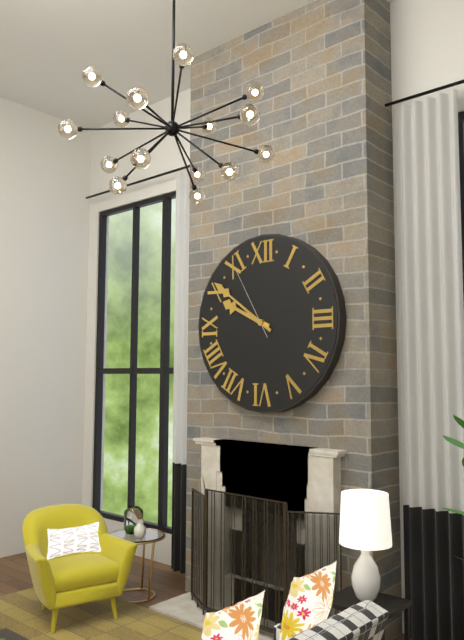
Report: {"hour": 9, "minute": 51, "second": 55}
